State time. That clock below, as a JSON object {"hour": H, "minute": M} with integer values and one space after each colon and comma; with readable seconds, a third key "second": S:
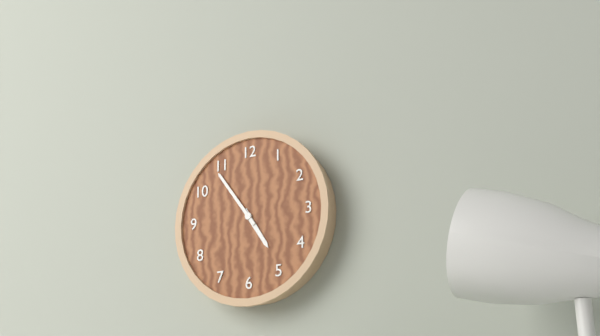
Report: {"hour": 4, "minute": 54}
